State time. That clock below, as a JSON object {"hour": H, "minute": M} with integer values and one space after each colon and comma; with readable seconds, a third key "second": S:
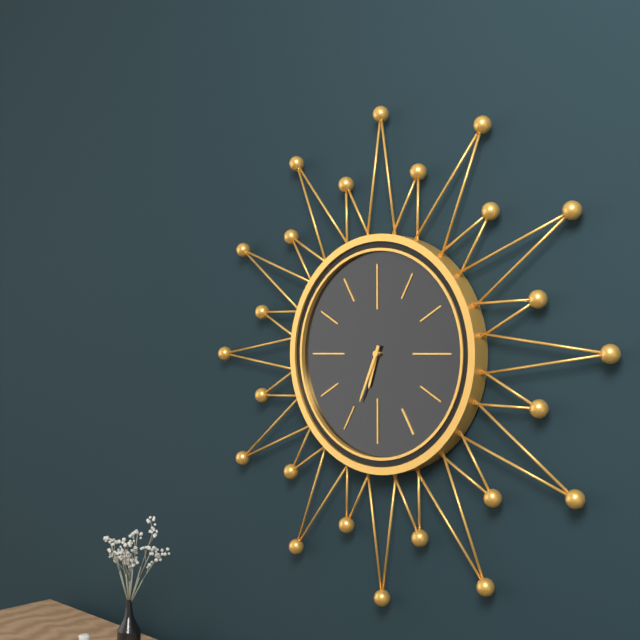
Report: {"hour": 6, "minute": 34}
